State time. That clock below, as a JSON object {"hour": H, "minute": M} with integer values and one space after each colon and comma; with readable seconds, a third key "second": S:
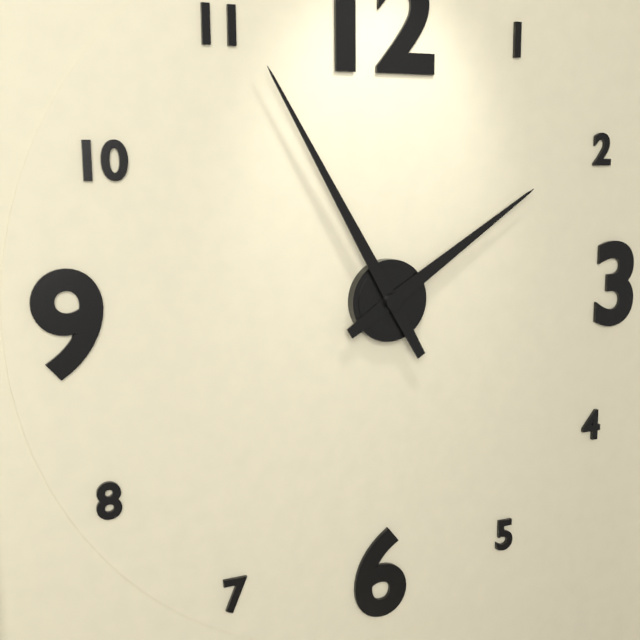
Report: {"hour": 1, "minute": 55}
